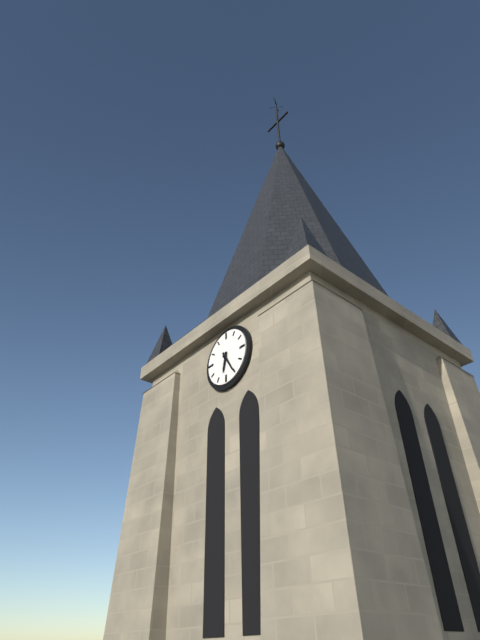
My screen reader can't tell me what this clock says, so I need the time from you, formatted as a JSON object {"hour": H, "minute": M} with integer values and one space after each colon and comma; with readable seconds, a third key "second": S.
{"hour": 6, "minute": 25}
